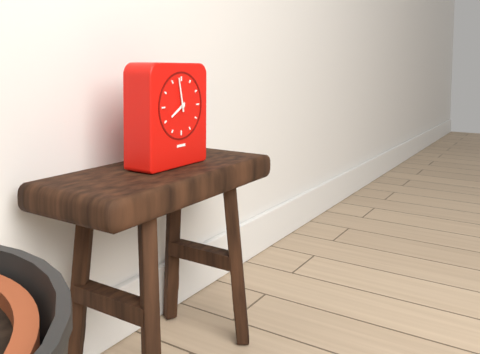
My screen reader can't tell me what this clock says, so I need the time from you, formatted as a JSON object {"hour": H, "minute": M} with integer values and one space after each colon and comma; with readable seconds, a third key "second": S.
{"hour": 7, "minute": 58}
